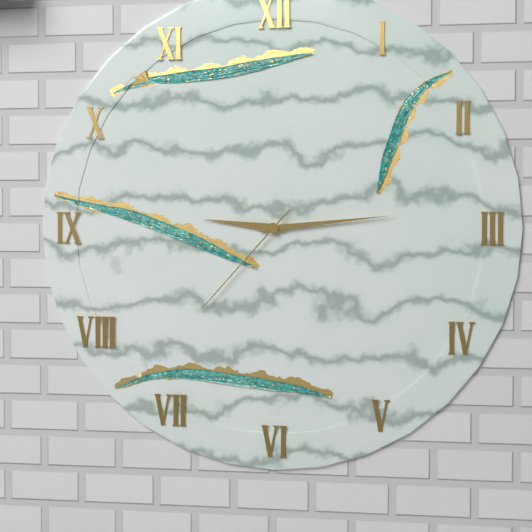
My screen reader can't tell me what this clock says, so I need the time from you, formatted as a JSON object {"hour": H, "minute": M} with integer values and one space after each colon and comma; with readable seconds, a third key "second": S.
{"hour": 9, "minute": 14, "second": 37}
